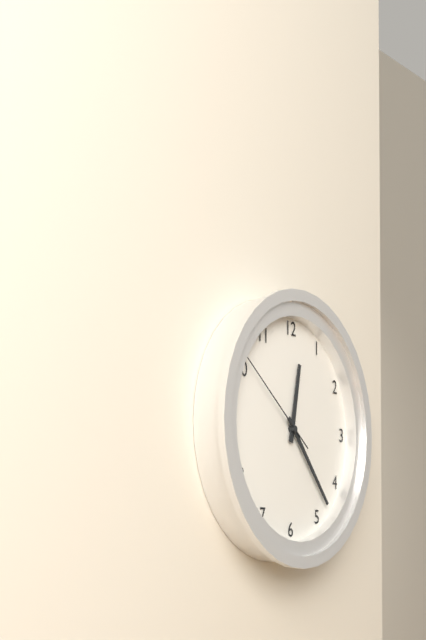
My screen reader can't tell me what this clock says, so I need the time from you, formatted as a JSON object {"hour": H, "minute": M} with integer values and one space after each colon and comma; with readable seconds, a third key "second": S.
{"hour": 12, "minute": 23, "second": 51}
